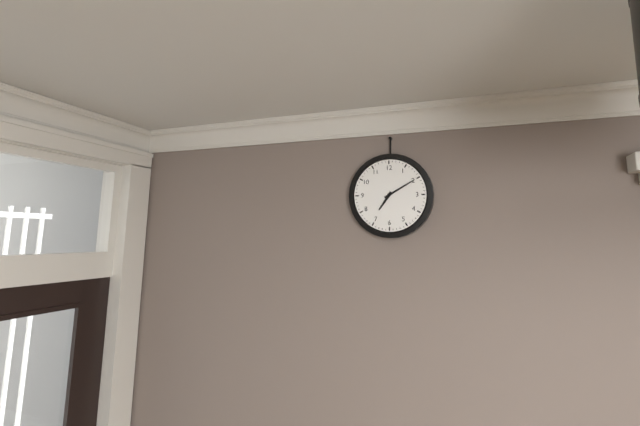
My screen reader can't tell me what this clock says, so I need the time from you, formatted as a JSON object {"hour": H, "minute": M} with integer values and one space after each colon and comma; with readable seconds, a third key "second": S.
{"hour": 7, "minute": 10}
